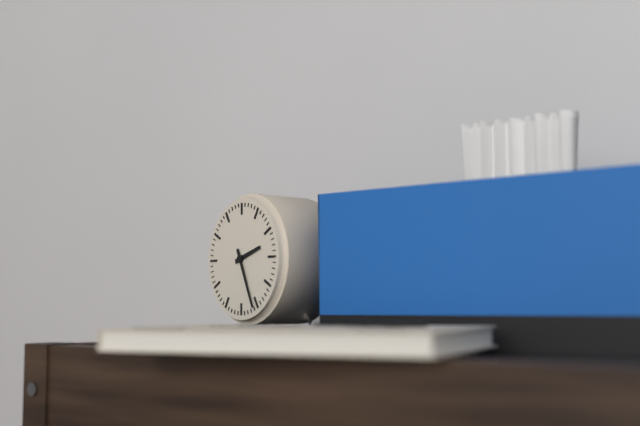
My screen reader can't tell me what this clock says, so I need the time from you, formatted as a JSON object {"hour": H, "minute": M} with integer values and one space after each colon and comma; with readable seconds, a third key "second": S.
{"hour": 2, "minute": 26}
